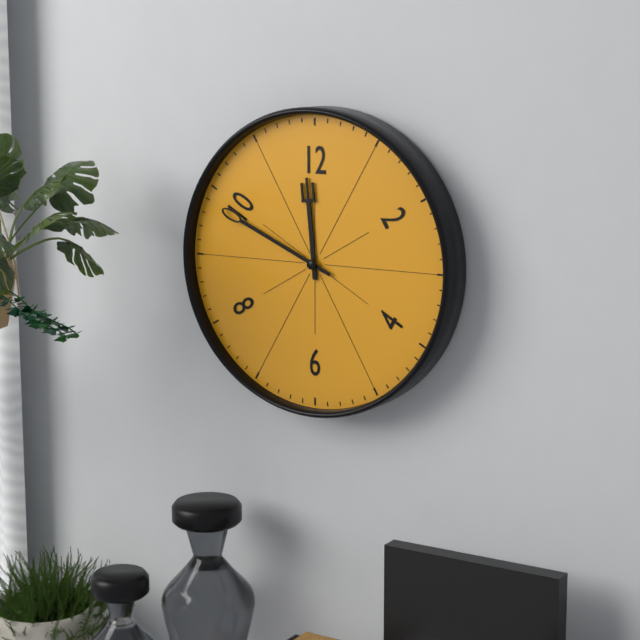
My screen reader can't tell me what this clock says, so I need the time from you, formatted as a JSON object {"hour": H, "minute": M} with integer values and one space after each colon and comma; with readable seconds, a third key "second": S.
{"hour": 11, "minute": 49}
